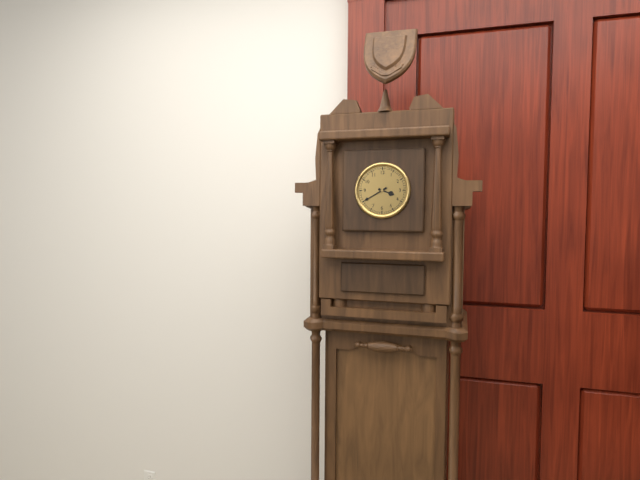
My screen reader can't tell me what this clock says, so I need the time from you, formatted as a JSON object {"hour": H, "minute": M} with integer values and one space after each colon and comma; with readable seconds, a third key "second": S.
{"hour": 3, "minute": 40}
